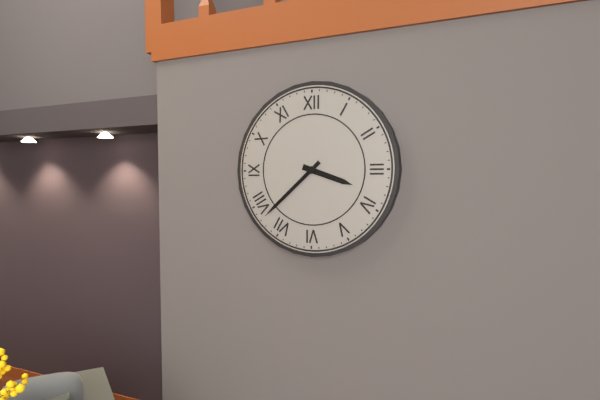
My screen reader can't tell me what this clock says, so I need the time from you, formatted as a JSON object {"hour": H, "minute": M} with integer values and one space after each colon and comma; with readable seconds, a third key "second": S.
{"hour": 3, "minute": 38}
